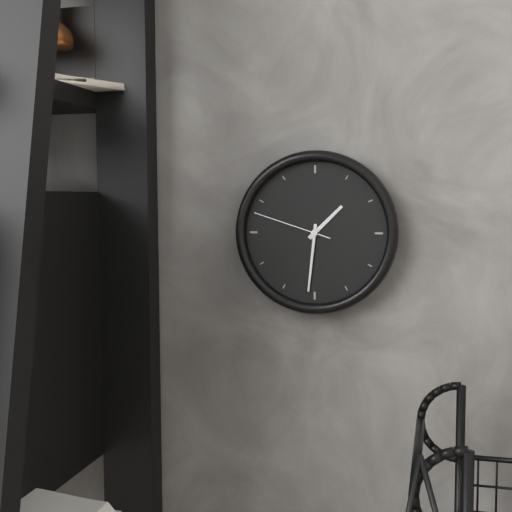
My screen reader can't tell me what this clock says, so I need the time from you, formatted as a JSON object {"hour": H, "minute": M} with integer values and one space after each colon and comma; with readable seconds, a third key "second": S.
{"hour": 1, "minute": 31, "second": 48}
